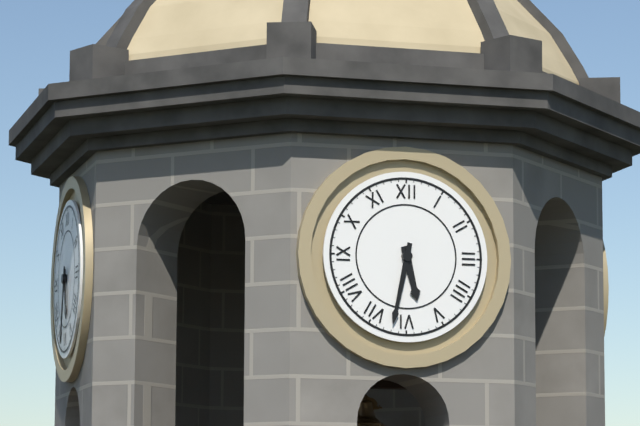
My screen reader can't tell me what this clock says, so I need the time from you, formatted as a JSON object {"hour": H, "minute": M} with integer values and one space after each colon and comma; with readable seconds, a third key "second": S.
{"hour": 5, "minute": 32}
